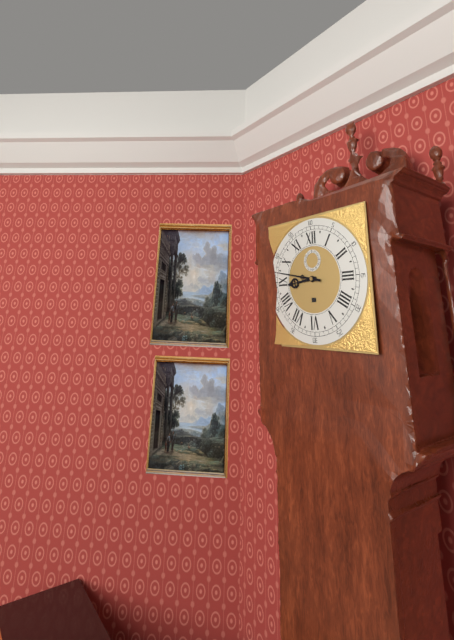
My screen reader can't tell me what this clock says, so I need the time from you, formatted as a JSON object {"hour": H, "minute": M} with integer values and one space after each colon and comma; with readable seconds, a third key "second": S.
{"hour": 8, "minute": 47}
